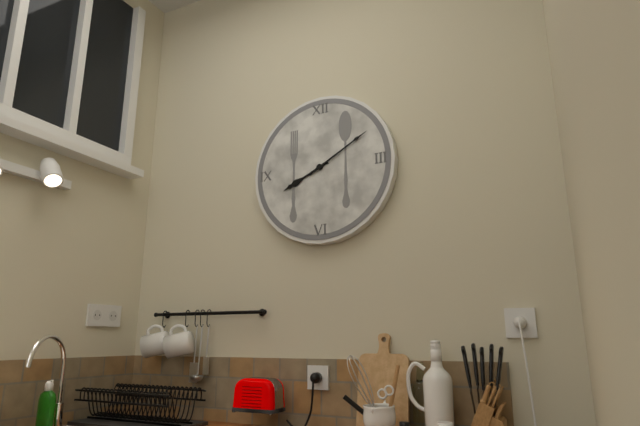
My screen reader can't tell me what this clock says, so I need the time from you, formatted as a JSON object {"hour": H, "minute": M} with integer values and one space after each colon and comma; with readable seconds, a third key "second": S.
{"hour": 8, "minute": 10}
